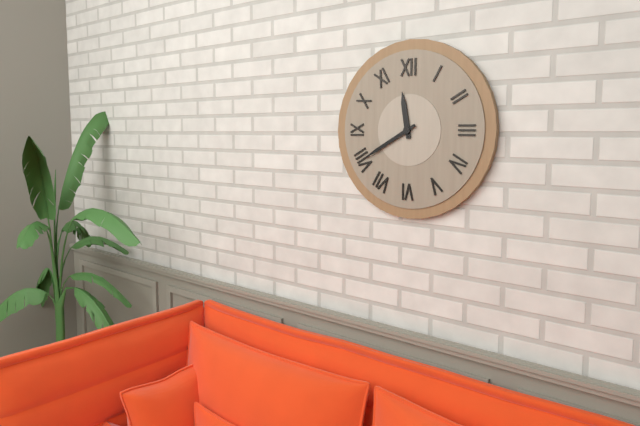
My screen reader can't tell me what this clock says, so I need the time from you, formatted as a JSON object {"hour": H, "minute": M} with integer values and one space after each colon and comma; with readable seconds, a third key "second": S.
{"hour": 11, "minute": 40}
